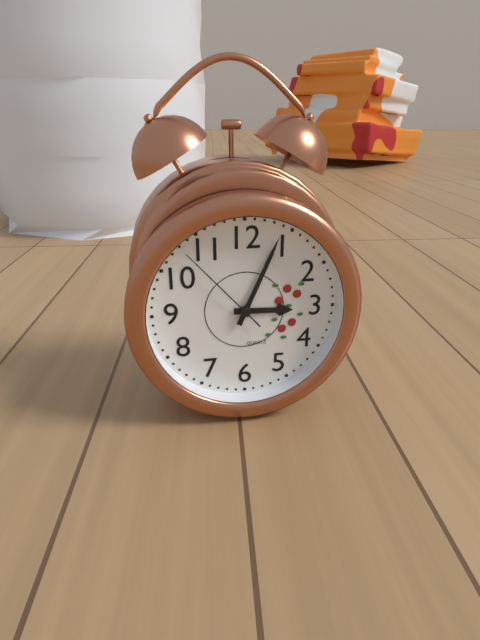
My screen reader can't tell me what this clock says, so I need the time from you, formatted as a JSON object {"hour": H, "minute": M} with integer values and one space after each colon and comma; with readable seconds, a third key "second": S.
{"hour": 3, "minute": 4, "second": 53}
